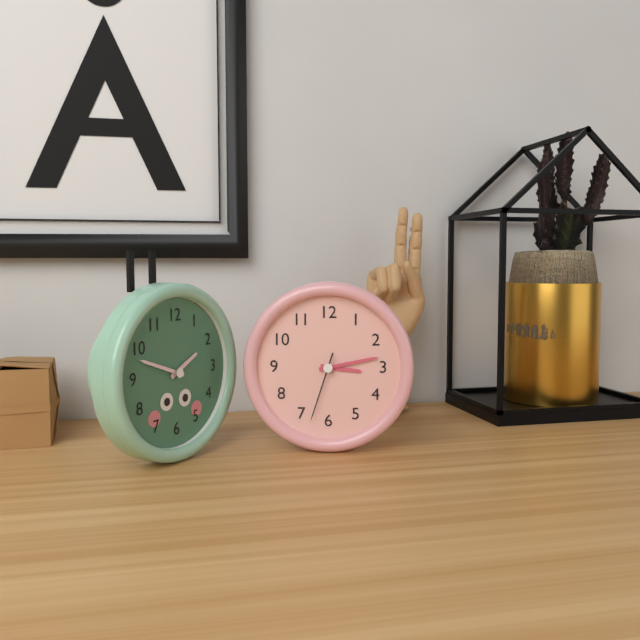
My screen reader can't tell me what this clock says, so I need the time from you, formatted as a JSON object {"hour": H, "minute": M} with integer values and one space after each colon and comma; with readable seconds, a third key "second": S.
{"hour": 3, "minute": 13, "second": 33}
